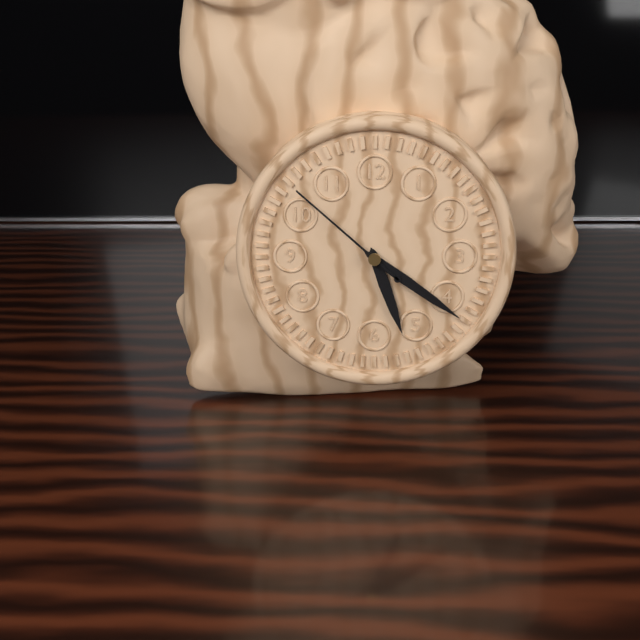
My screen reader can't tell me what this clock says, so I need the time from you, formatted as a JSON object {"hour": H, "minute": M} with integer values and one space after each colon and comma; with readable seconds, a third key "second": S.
{"hour": 5, "minute": 21, "second": 52}
